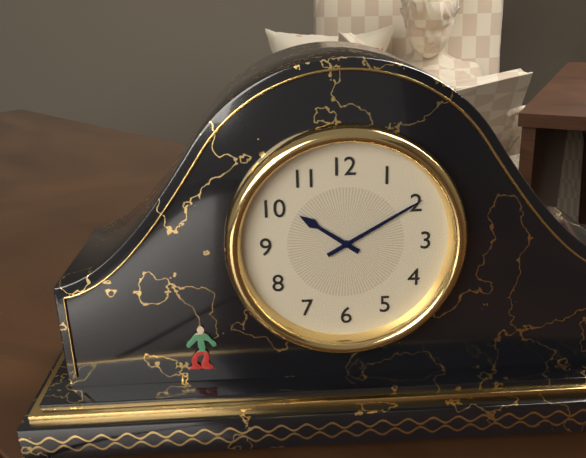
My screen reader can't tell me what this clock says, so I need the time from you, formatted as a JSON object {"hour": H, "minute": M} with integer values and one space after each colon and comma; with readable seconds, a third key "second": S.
{"hour": 10, "minute": 10}
